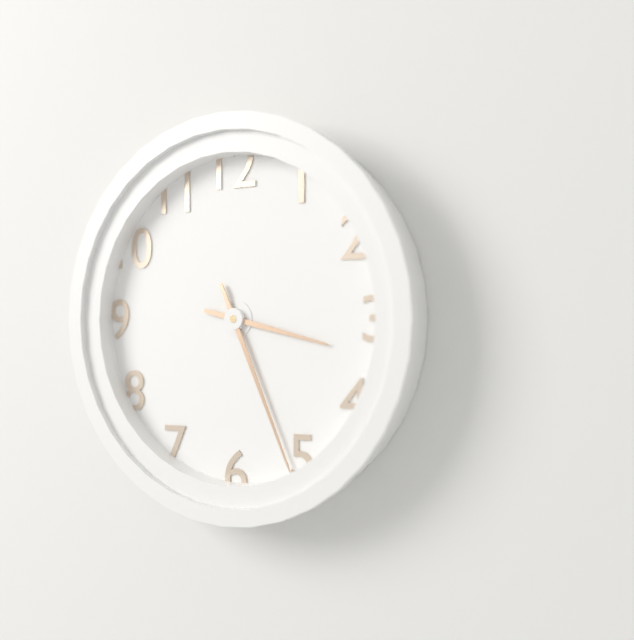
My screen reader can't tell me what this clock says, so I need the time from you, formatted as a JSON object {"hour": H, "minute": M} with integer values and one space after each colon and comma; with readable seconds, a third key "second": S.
{"hour": 3, "minute": 26}
